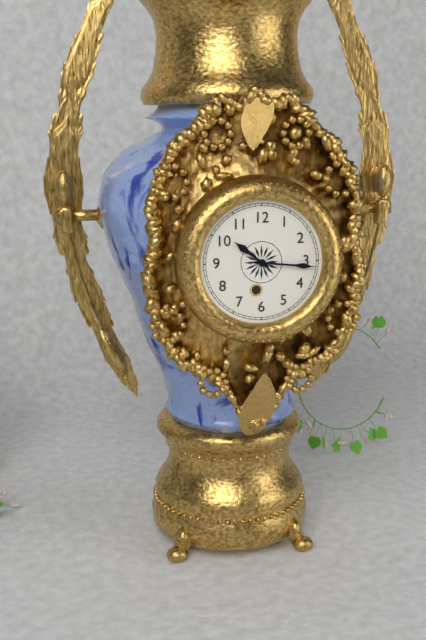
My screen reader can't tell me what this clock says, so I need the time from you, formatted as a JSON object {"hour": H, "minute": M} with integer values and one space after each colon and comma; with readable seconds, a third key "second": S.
{"hour": 10, "minute": 16}
